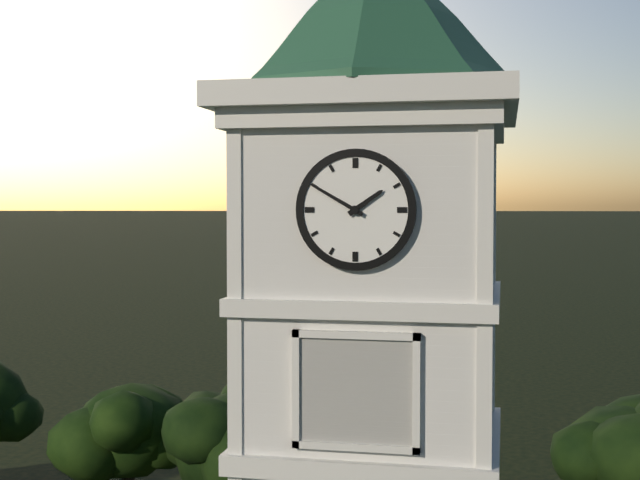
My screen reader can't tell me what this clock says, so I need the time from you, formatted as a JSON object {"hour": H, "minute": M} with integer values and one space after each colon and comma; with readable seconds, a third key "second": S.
{"hour": 1, "minute": 50}
